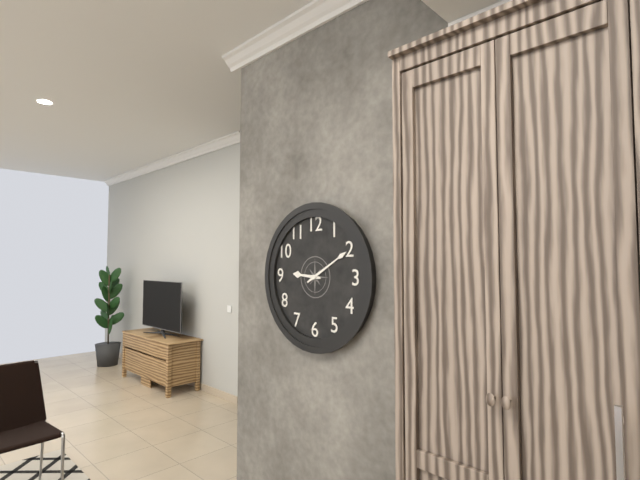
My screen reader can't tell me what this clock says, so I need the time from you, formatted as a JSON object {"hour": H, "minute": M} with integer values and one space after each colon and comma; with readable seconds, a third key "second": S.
{"hour": 9, "minute": 10}
